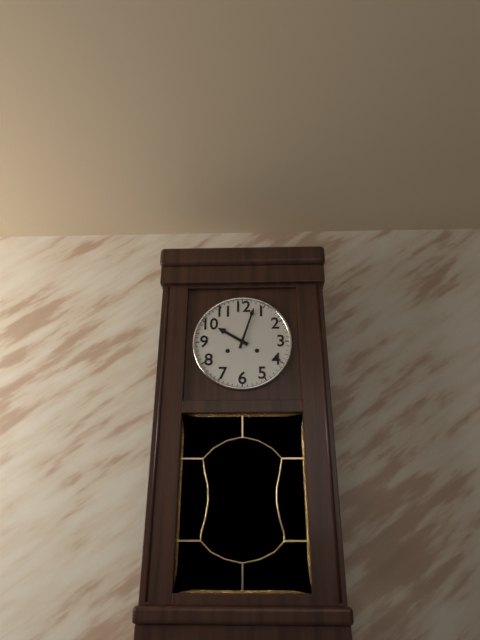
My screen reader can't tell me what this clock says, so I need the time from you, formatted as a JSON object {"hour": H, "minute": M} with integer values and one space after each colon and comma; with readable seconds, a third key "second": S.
{"hour": 10, "minute": 3}
